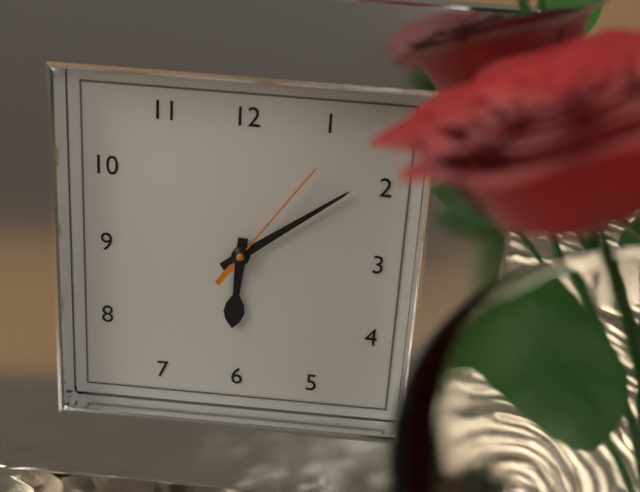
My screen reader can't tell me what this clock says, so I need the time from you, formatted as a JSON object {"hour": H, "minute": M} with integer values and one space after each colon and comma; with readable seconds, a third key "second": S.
{"hour": 6, "minute": 9, "second": 6}
